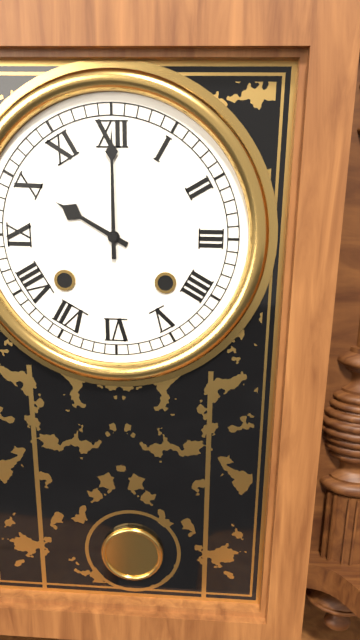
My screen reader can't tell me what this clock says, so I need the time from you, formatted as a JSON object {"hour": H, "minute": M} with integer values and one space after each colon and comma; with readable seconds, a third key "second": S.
{"hour": 10, "minute": 0}
